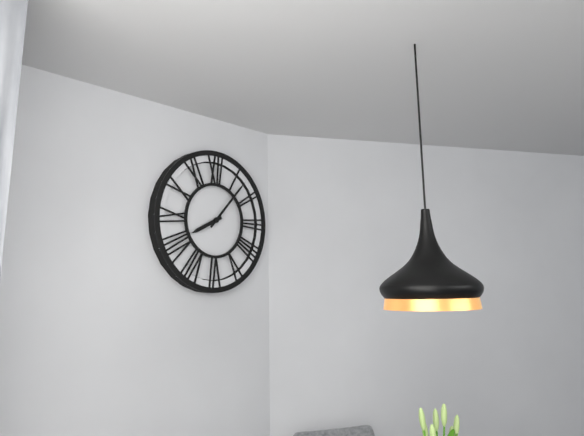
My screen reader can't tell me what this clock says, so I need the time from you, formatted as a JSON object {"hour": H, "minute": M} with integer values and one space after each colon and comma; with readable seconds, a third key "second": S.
{"hour": 8, "minute": 7}
